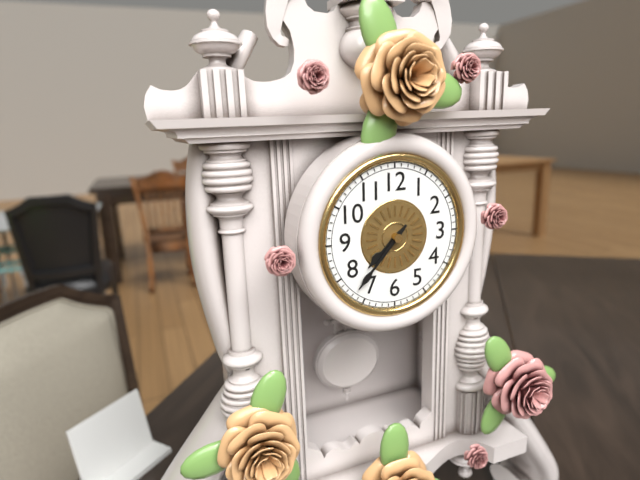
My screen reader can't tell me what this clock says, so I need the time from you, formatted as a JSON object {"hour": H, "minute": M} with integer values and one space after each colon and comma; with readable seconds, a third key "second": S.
{"hour": 7, "minute": 37}
